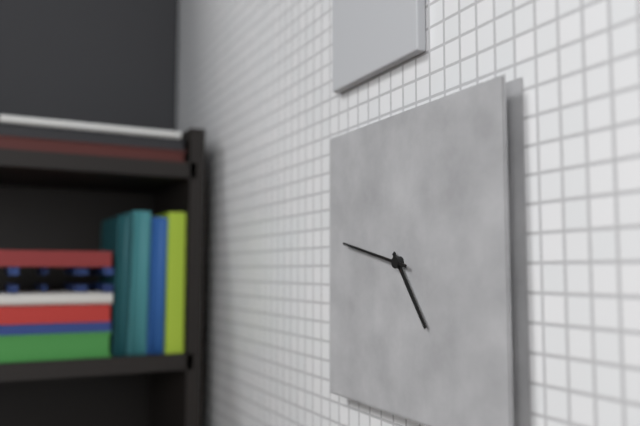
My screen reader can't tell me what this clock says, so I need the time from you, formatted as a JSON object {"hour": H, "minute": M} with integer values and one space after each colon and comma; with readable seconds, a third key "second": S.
{"hour": 4, "minute": 47}
